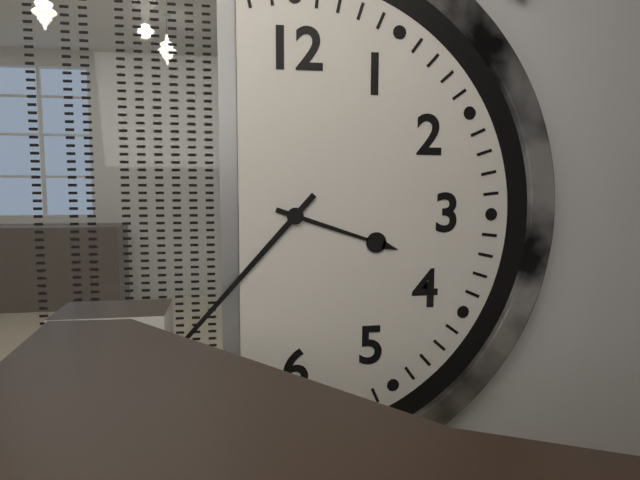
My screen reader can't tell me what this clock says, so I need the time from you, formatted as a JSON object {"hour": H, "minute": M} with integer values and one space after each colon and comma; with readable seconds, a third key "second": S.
{"hour": 3, "minute": 37}
